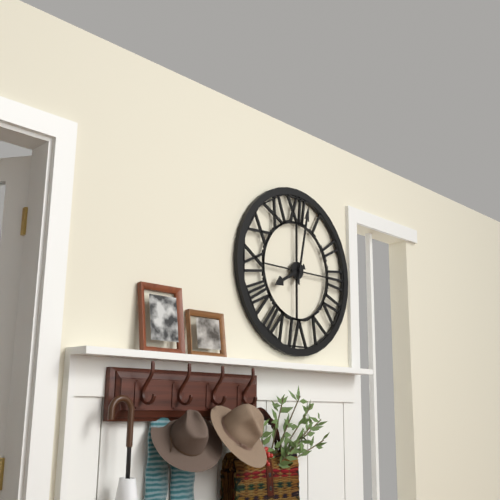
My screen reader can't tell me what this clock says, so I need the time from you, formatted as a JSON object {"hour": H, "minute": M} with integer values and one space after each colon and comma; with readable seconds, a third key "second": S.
{"hour": 8, "minute": 2}
